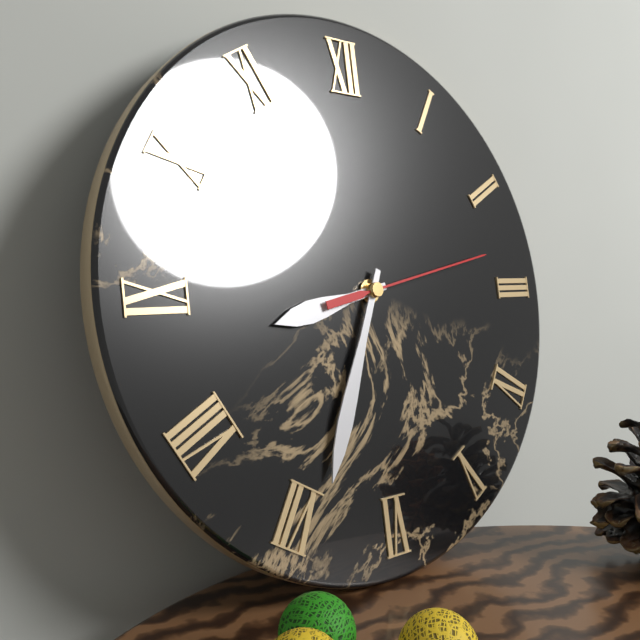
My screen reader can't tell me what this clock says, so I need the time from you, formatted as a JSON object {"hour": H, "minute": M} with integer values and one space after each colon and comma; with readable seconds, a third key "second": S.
{"hour": 8, "minute": 34, "second": 13}
